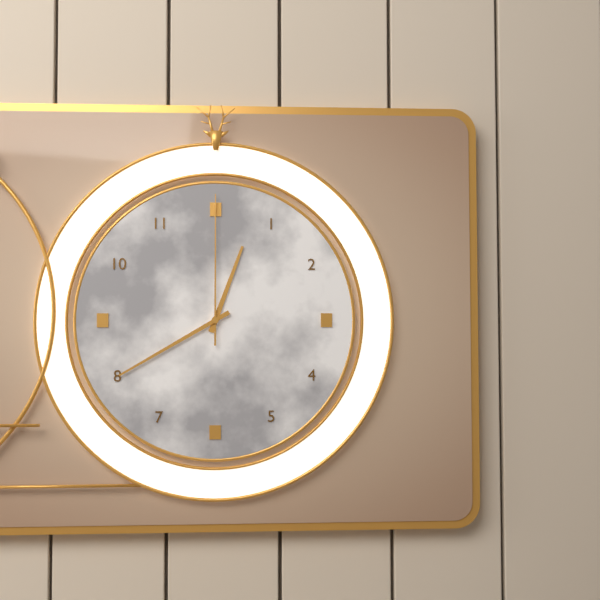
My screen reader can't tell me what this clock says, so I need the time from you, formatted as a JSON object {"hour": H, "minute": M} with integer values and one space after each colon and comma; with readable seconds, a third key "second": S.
{"hour": 12, "minute": 40, "second": 0}
